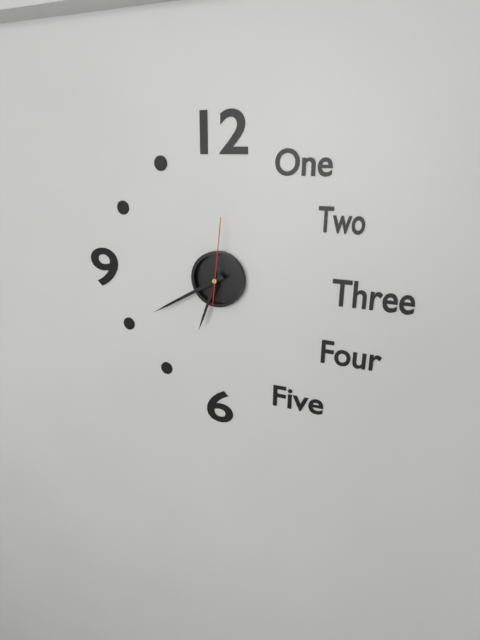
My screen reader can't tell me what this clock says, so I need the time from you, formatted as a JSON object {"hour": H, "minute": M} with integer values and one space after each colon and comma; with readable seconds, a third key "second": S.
{"hour": 6, "minute": 40, "second": 1}
